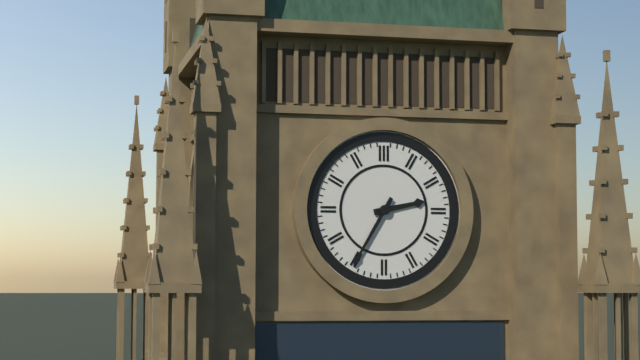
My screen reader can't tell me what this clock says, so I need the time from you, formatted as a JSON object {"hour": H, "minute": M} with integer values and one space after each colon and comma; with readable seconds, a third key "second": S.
{"hour": 2, "minute": 35}
